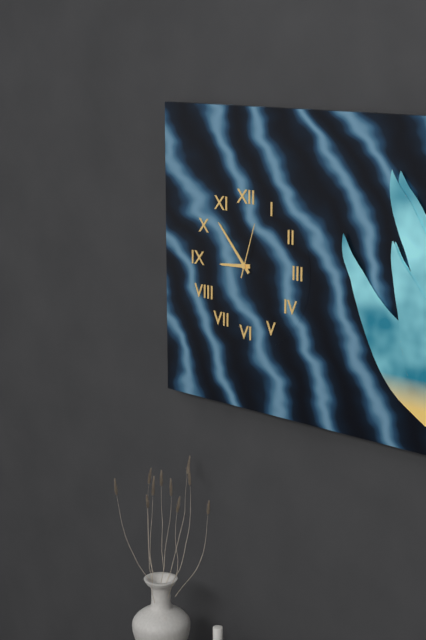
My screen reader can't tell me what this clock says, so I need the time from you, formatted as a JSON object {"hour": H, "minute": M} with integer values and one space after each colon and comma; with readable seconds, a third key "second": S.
{"hour": 8, "minute": 53, "second": 3}
